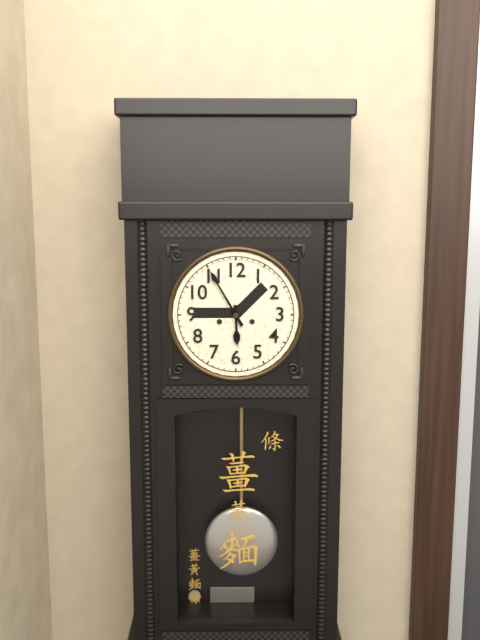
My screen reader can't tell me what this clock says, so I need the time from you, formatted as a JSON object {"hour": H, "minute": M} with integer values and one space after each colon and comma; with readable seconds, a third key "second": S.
{"hour": 5, "minute": 55}
